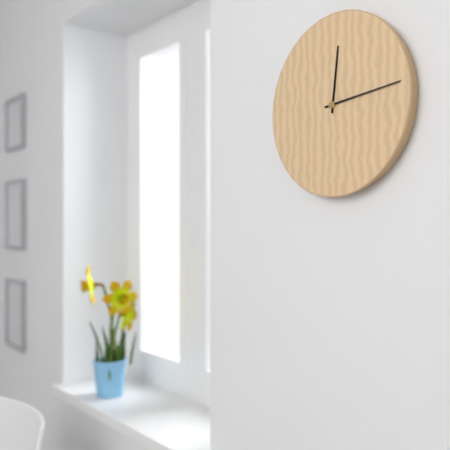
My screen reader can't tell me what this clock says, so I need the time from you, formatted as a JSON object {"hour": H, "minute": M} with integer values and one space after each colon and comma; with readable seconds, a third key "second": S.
{"hour": 12, "minute": 14}
